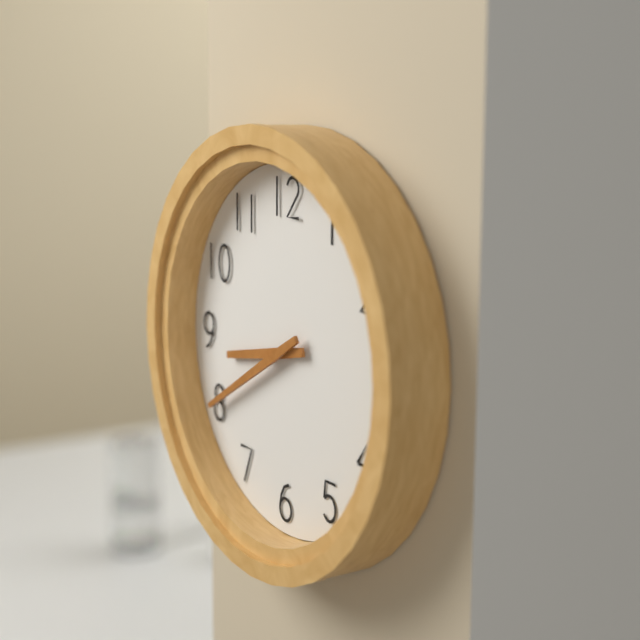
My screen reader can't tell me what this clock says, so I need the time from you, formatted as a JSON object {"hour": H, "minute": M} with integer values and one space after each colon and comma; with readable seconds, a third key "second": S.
{"hour": 8, "minute": 40}
